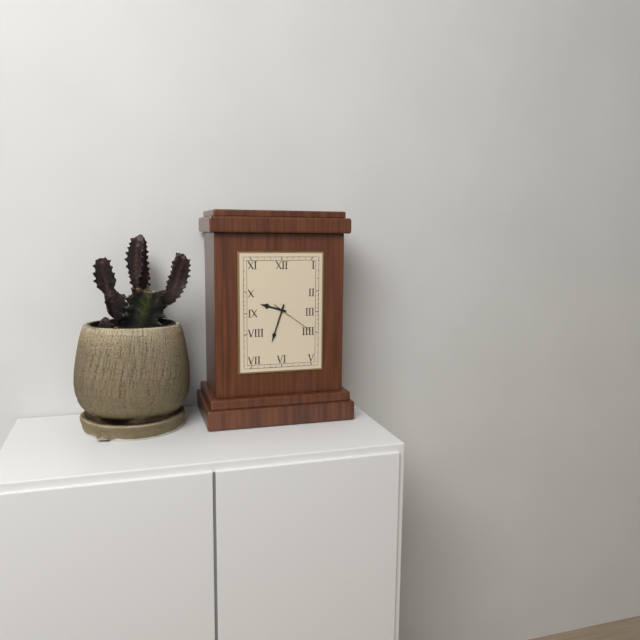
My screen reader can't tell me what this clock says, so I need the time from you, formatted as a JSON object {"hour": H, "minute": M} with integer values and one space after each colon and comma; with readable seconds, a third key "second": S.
{"hour": 9, "minute": 33, "second": 21}
